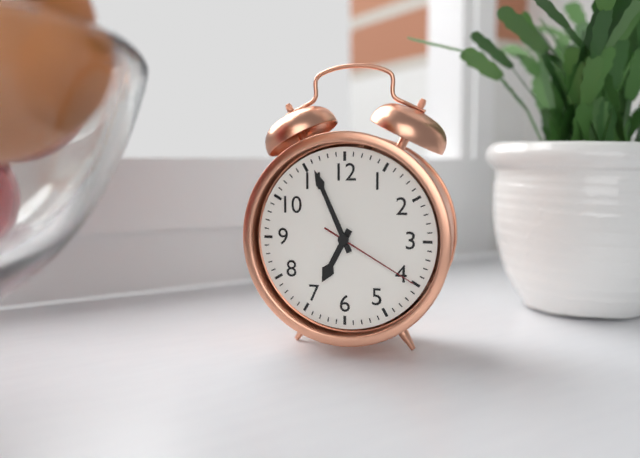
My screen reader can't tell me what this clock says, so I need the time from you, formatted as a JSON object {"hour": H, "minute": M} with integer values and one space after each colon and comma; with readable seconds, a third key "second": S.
{"hour": 6, "minute": 56, "second": 20}
